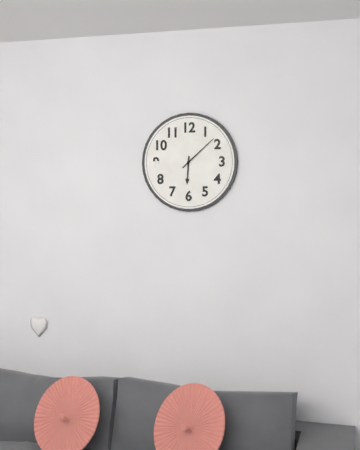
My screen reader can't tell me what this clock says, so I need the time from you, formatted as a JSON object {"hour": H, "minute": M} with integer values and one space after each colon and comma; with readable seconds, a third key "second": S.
{"hour": 6, "minute": 8}
